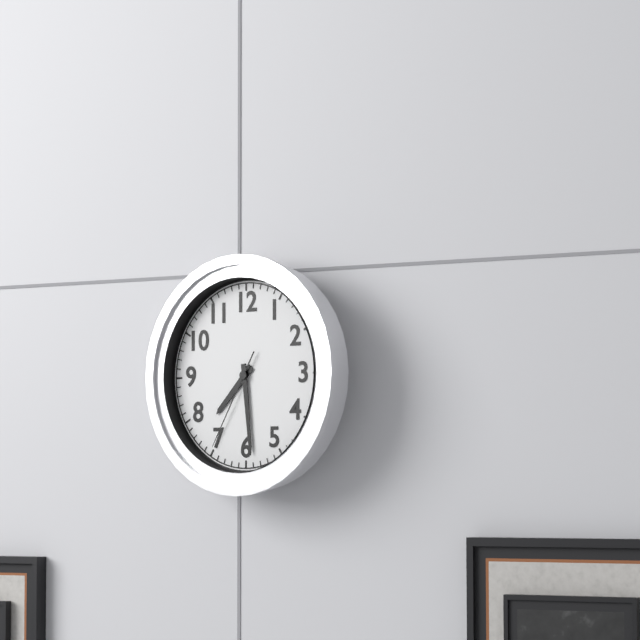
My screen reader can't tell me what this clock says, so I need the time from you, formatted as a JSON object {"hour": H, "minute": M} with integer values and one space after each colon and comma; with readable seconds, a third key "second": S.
{"hour": 7, "minute": 29, "second": 35}
